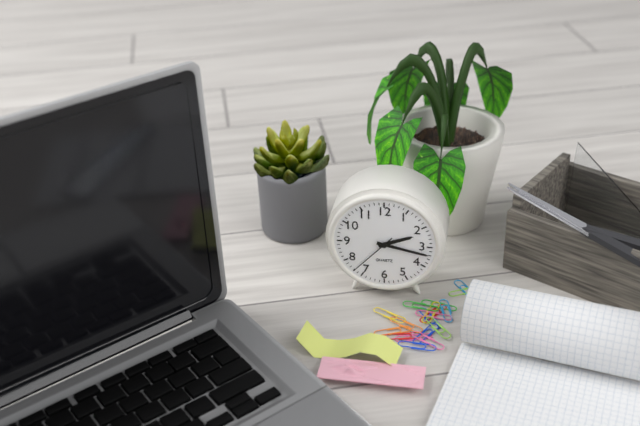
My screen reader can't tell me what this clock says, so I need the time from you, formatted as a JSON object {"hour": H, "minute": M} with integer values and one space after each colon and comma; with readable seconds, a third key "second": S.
{"hour": 2, "minute": 17, "second": 37}
